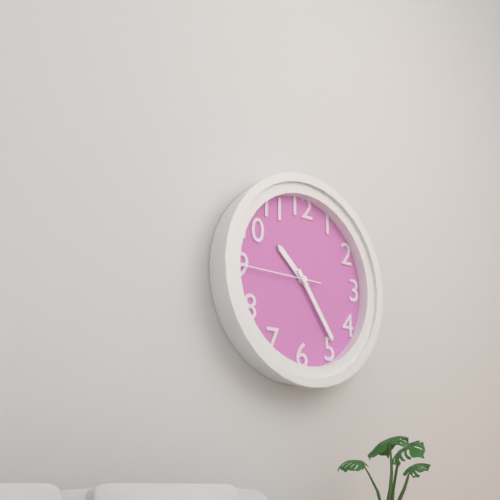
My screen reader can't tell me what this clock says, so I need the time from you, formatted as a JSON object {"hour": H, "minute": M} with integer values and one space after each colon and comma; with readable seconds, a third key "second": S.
{"hour": 10, "minute": 24, "second": 45}
